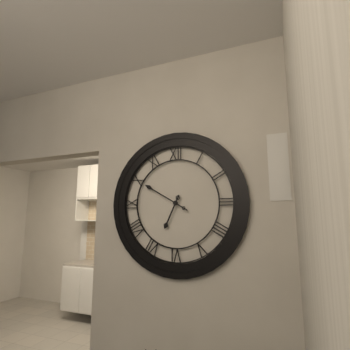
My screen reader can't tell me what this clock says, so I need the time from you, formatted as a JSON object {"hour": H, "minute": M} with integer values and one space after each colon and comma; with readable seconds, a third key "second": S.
{"hour": 6, "minute": 50}
